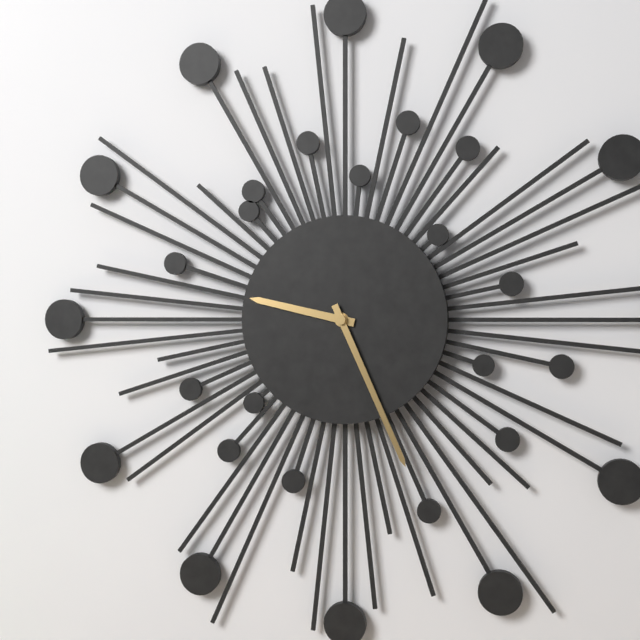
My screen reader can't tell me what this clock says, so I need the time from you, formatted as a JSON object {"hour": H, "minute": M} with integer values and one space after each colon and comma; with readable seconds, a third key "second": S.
{"hour": 9, "minute": 26}
